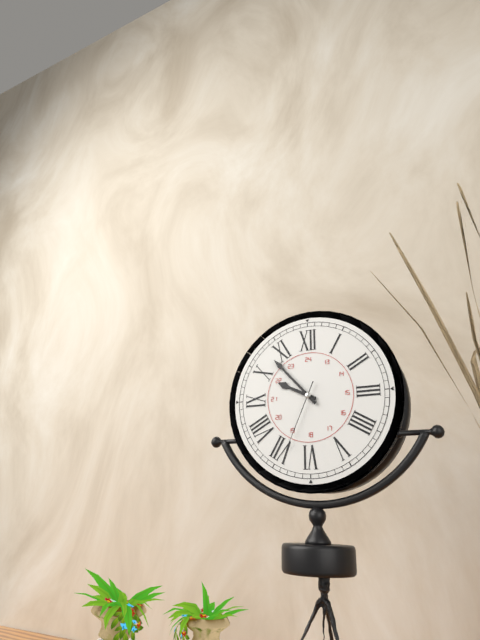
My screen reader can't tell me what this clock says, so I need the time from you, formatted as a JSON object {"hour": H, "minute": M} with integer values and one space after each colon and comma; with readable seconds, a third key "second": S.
{"hour": 9, "minute": 53, "second": 34}
